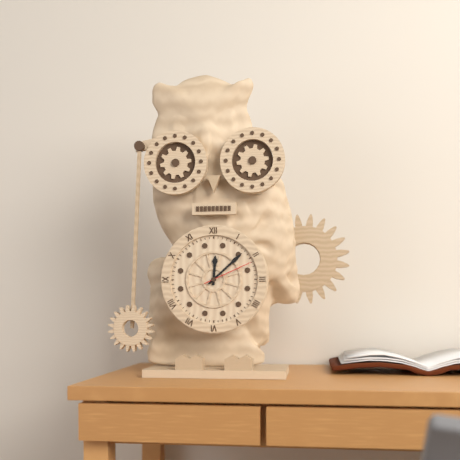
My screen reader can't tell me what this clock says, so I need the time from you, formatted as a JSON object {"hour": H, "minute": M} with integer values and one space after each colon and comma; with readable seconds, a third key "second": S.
{"hour": 12, "minute": 8, "second": 11}
